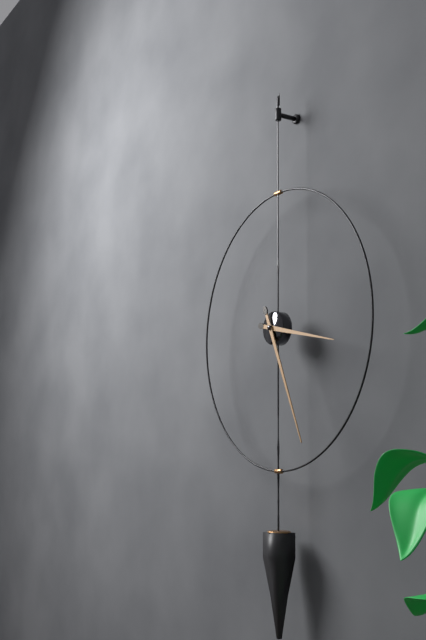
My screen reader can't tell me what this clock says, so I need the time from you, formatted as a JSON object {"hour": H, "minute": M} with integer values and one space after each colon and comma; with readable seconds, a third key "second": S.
{"hour": 3, "minute": 26}
